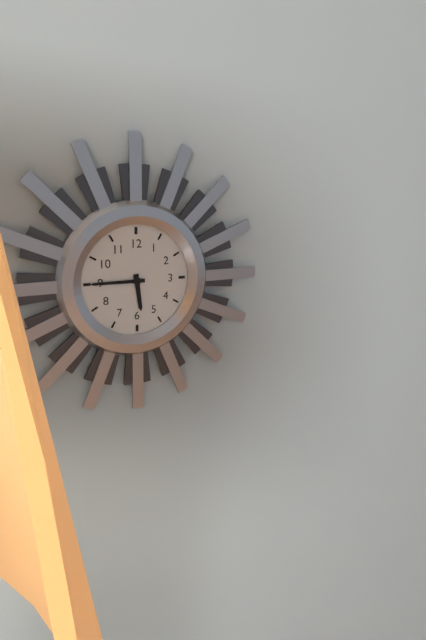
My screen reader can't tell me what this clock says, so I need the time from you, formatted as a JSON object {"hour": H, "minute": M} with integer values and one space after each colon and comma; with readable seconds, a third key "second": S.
{"hour": 5, "minute": 45}
